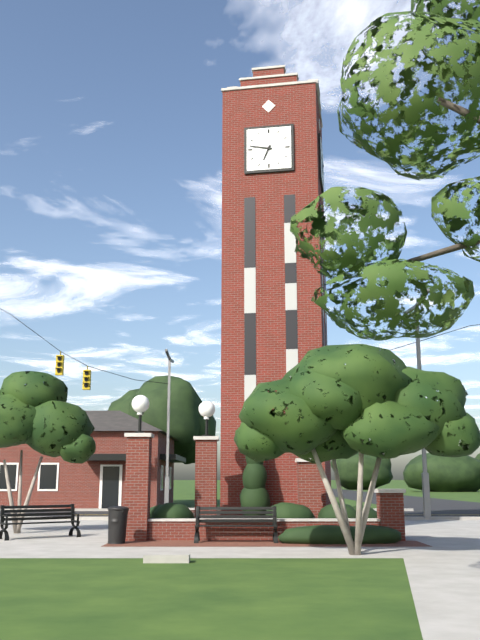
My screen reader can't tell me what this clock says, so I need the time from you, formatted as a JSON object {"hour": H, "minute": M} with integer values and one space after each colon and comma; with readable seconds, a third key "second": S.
{"hour": 6, "minute": 47}
